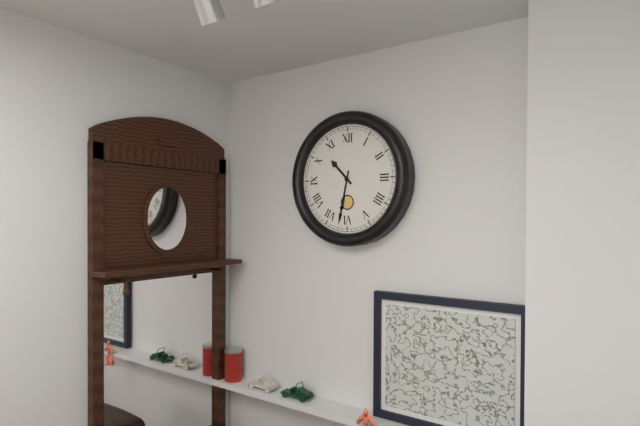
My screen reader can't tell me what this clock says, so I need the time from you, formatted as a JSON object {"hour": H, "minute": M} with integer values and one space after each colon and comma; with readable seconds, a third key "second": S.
{"hour": 10, "minute": 32}
